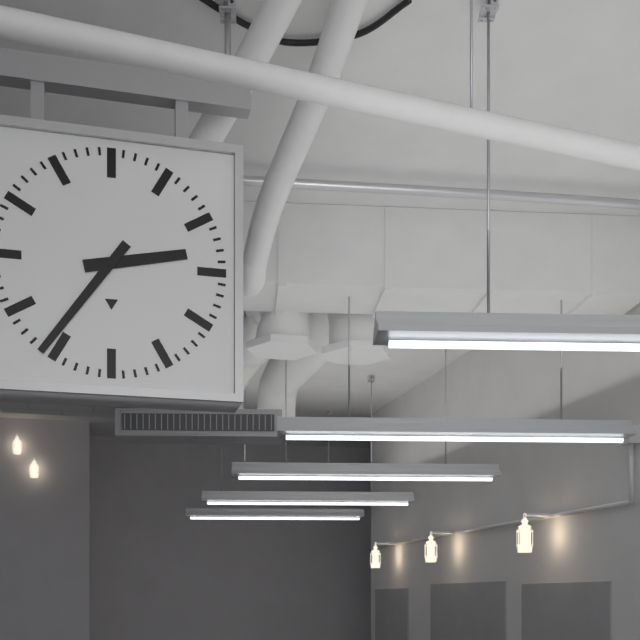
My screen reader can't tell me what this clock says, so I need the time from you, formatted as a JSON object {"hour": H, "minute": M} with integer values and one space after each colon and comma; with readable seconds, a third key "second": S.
{"hour": 2, "minute": 36}
